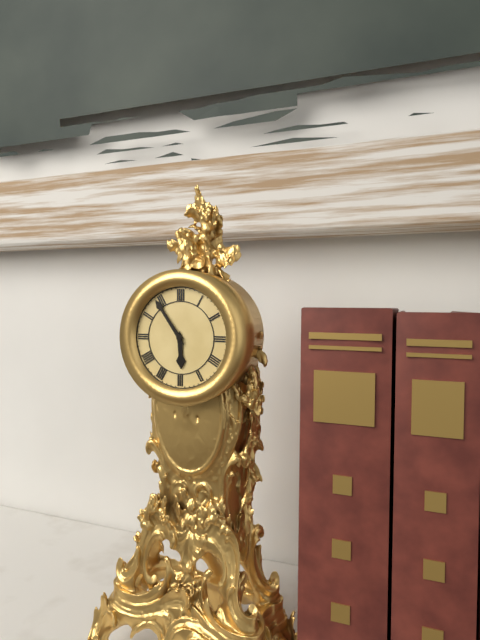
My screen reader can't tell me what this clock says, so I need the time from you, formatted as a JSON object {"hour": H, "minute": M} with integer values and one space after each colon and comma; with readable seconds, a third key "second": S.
{"hour": 5, "minute": 54}
